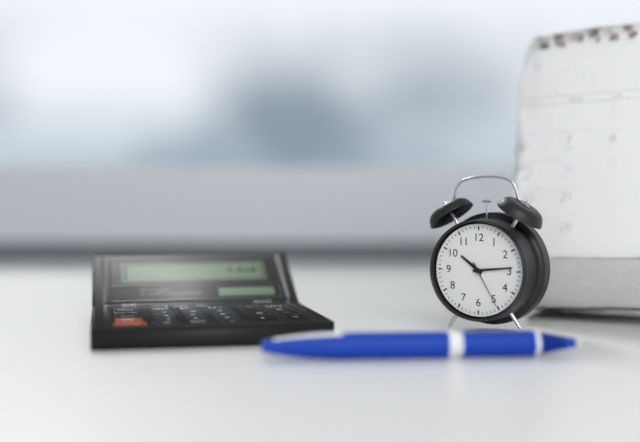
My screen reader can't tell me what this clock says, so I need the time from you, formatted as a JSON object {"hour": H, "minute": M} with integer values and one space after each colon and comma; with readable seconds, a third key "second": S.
{"hour": 10, "minute": 14}
